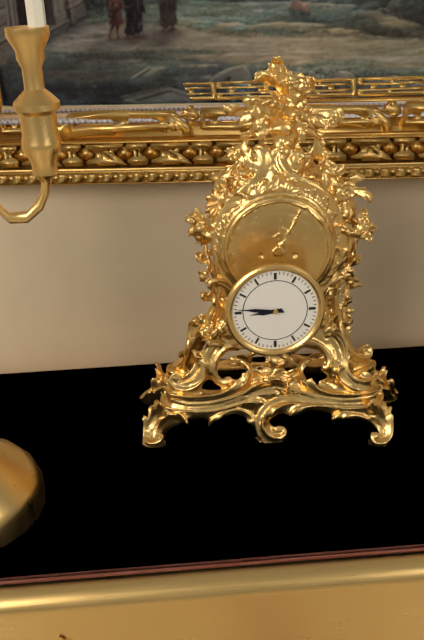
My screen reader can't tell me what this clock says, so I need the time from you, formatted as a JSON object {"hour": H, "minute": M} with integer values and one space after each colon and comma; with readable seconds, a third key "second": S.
{"hour": 8, "minute": 46}
